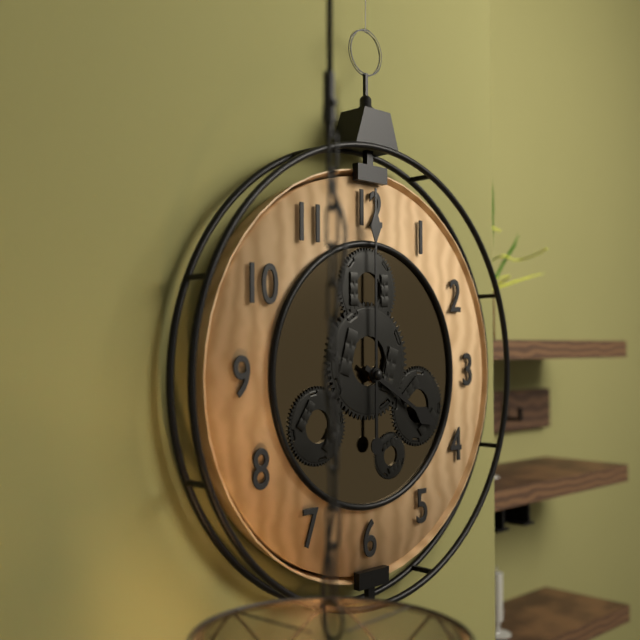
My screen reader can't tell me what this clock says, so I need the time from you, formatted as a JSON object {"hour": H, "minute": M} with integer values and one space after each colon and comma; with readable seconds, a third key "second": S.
{"hour": 4, "minute": 0}
